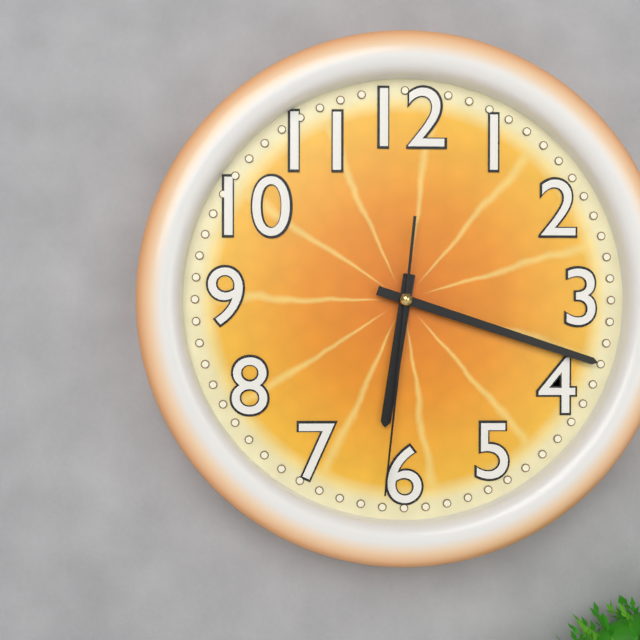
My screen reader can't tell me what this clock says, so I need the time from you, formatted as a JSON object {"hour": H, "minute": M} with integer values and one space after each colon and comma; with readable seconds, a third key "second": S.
{"hour": 6, "minute": 18, "second": 31}
